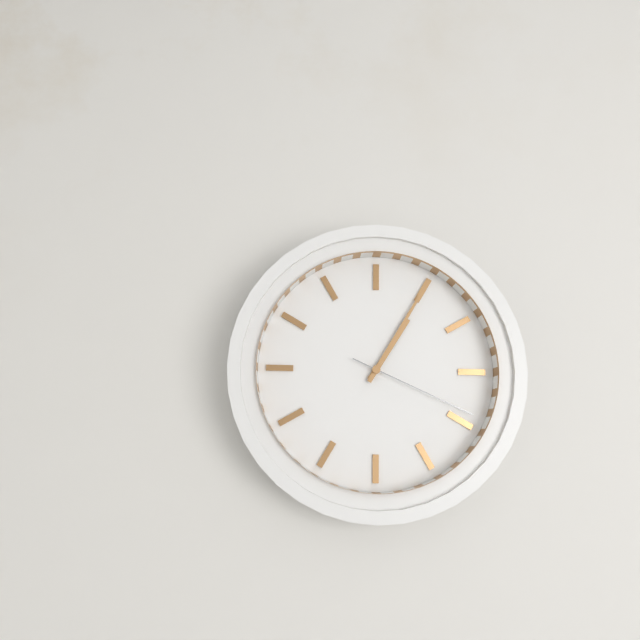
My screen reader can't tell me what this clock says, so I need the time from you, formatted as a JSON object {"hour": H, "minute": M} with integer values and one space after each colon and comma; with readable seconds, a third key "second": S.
{"hour": 1, "minute": 5, "second": 19}
